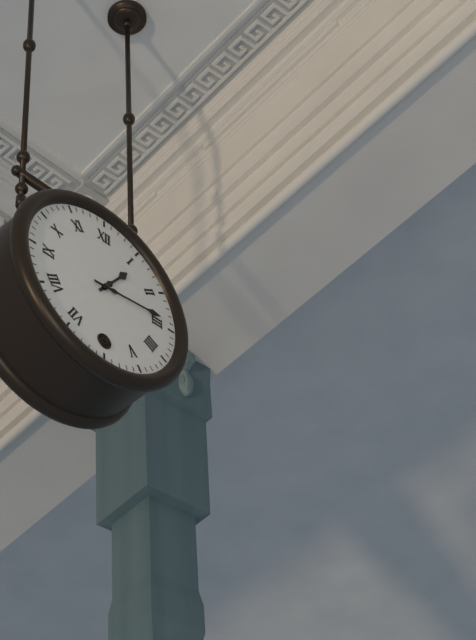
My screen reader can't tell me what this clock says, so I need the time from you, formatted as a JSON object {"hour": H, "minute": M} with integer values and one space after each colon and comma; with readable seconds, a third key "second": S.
{"hour": 1, "minute": 14}
